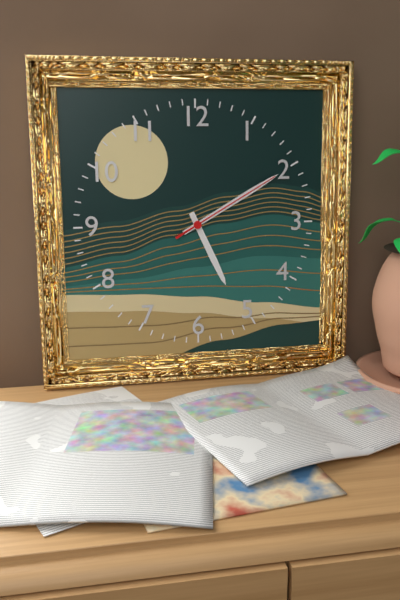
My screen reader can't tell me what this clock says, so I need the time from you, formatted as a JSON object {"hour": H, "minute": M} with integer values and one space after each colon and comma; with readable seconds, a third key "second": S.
{"hour": 5, "minute": 10, "second": 10}
